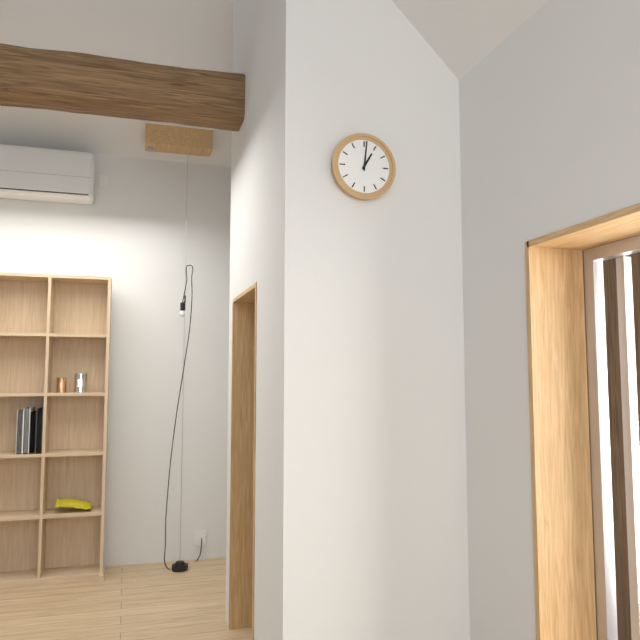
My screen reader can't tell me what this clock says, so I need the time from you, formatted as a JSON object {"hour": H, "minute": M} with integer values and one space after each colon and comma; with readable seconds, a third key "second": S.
{"hour": 1, "minute": 1}
